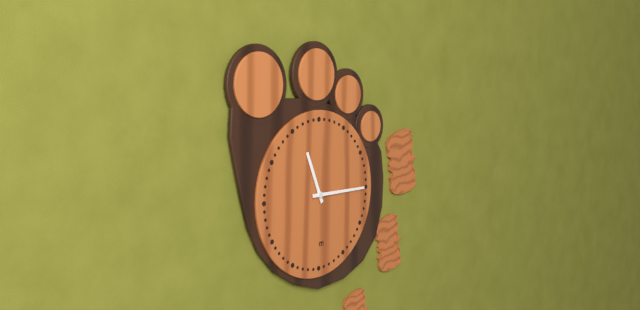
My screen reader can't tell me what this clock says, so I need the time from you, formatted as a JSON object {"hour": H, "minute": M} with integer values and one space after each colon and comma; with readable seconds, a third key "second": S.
{"hour": 11, "minute": 15}
